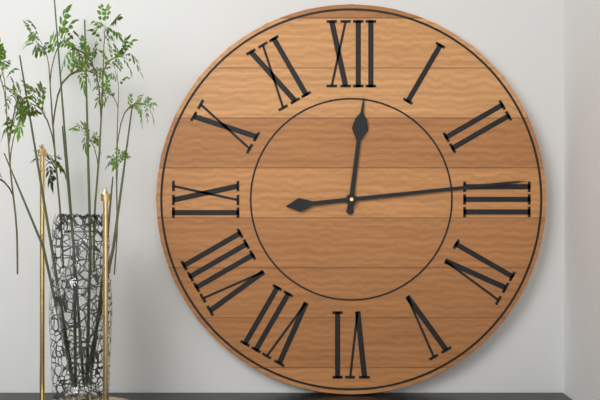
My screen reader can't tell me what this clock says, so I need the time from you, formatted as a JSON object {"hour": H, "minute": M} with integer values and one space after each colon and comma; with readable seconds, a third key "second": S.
{"hour": 12, "minute": 14}
